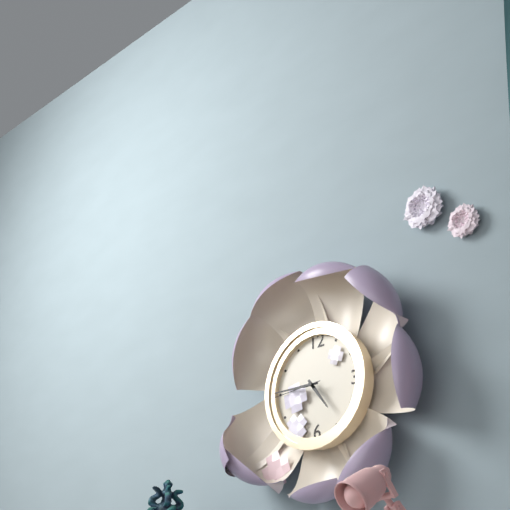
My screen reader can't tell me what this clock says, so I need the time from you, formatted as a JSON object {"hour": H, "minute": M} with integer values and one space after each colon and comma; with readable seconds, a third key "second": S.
{"hour": 4, "minute": 45, "second": 44}
